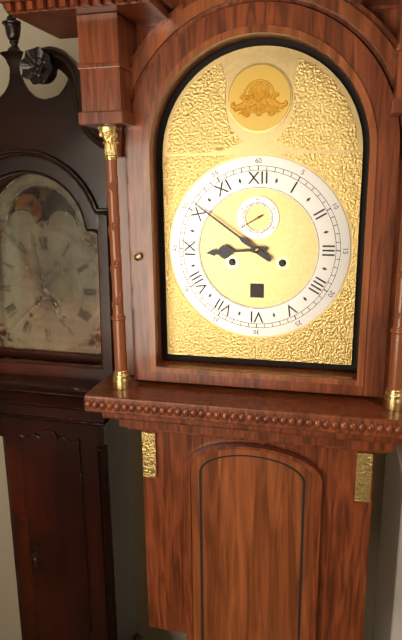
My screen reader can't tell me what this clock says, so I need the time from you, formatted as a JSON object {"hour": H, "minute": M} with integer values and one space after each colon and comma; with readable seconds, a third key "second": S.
{"hour": 8, "minute": 51}
